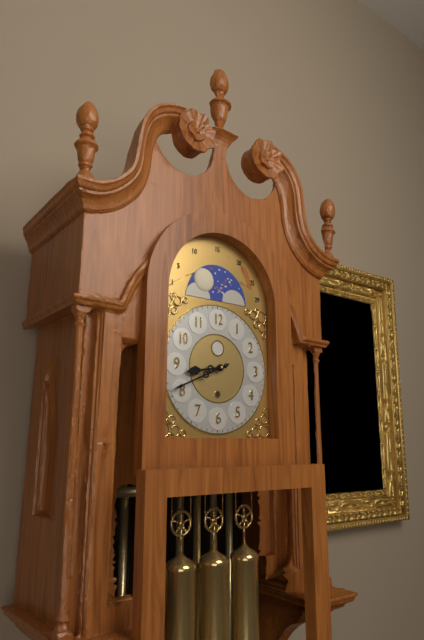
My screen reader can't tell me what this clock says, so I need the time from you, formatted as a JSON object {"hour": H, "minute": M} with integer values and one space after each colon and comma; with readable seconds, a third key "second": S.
{"hour": 8, "minute": 41}
